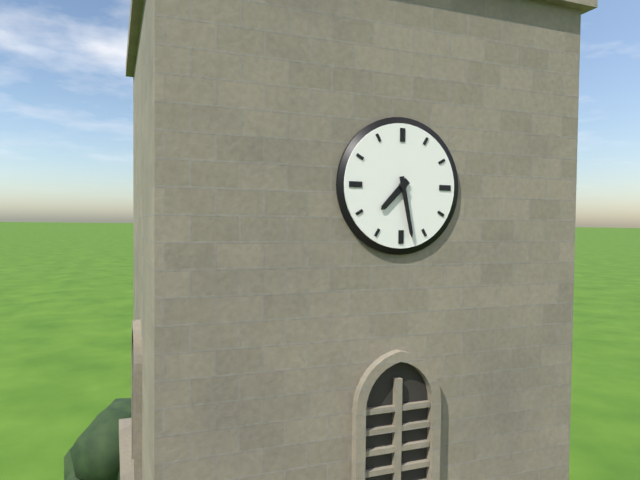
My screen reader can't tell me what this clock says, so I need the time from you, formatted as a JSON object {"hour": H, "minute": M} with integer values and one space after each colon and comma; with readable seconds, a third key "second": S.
{"hour": 7, "minute": 28}
